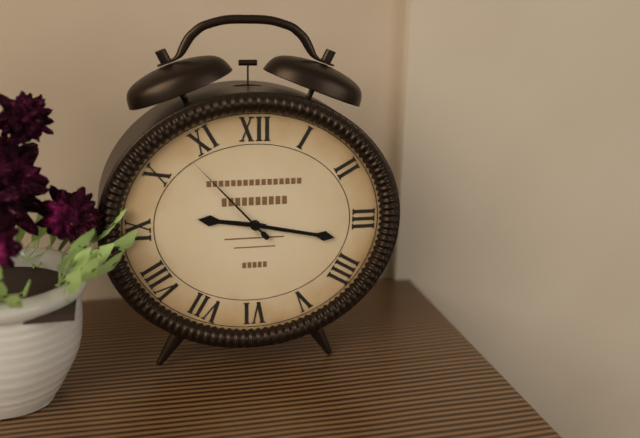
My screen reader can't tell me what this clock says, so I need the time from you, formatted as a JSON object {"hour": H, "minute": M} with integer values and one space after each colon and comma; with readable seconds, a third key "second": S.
{"hour": 9, "minute": 17, "second": 53}
